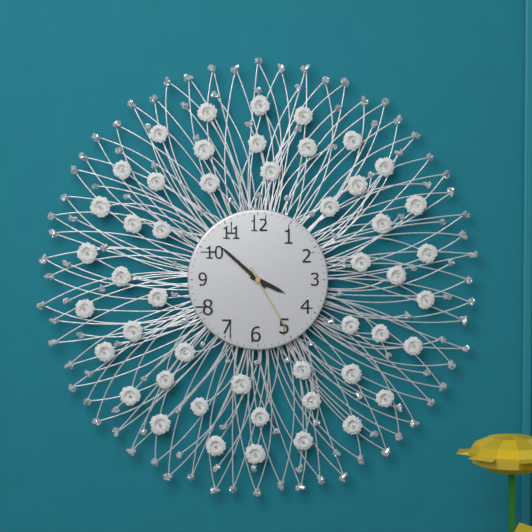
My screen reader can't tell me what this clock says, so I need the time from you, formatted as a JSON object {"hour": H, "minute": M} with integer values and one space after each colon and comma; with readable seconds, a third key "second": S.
{"hour": 3, "minute": 52, "second": 25}
